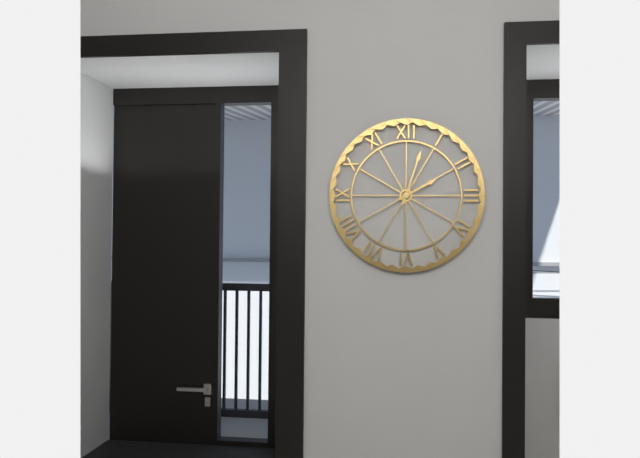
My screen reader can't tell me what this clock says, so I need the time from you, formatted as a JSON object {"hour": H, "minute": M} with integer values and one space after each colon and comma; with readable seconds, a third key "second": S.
{"hour": 2, "minute": 3}
